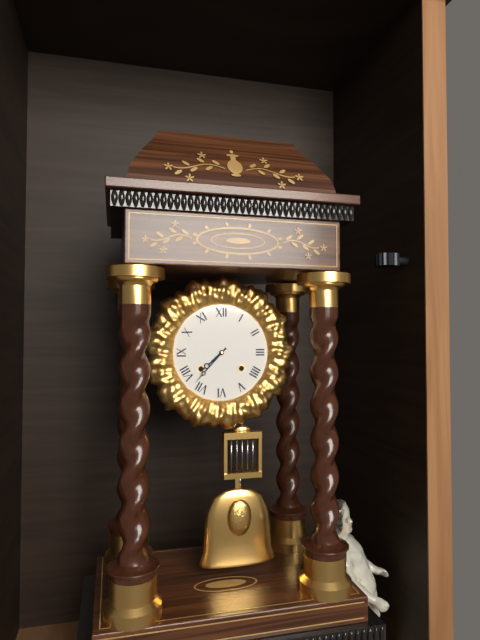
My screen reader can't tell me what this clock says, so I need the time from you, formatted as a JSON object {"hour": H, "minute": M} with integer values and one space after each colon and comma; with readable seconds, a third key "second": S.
{"hour": 7, "minute": 37}
